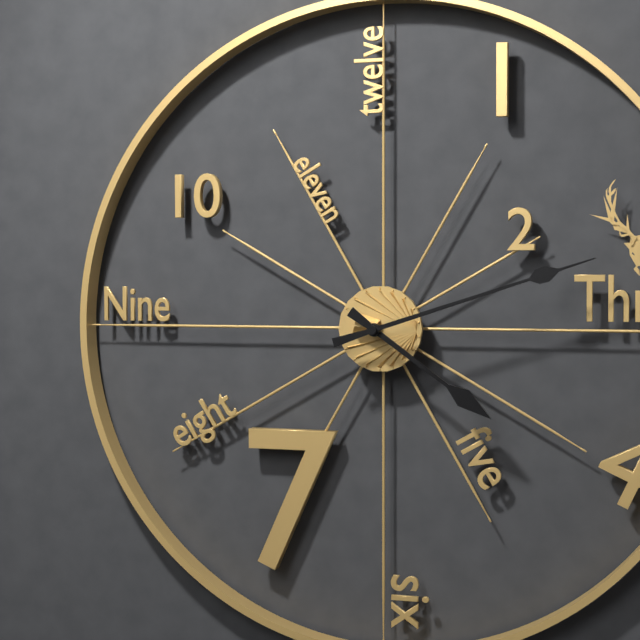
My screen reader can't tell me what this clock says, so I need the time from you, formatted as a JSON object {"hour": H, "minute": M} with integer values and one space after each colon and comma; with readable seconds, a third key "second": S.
{"hour": 4, "minute": 12}
